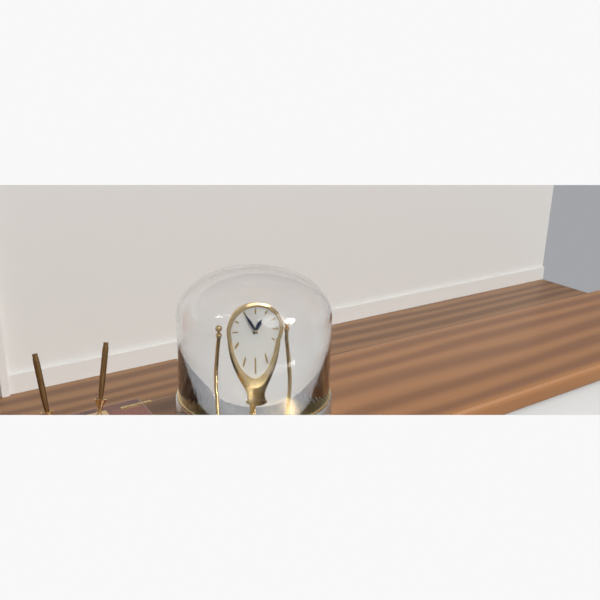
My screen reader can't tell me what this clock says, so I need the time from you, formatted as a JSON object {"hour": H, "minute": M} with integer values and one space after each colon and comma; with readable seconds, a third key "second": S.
{"hour": 12, "minute": 55}
